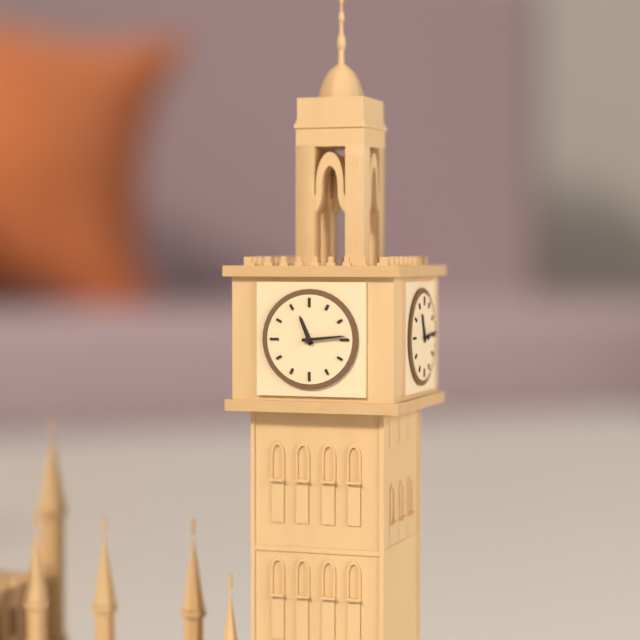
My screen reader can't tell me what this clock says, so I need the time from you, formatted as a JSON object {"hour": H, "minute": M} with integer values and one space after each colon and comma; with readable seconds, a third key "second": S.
{"hour": 11, "minute": 14}
